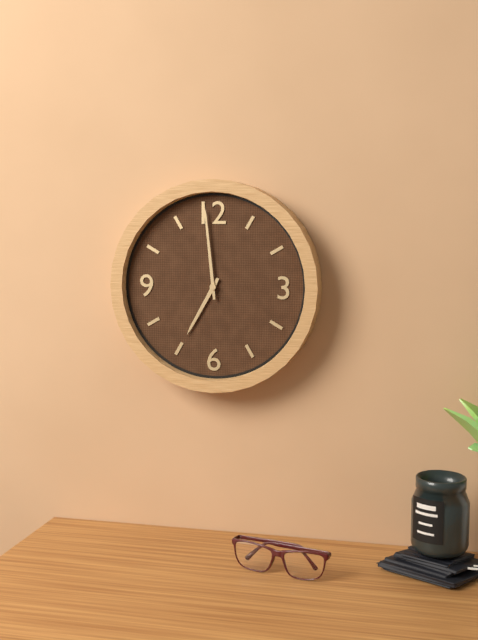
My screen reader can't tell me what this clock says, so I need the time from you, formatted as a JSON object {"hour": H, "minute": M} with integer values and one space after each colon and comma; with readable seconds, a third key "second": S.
{"hour": 6, "minute": 59}
